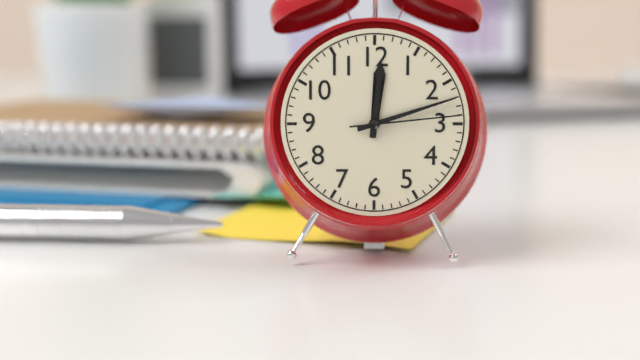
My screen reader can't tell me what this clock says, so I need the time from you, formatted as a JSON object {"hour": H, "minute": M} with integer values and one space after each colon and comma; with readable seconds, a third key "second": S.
{"hour": 12, "minute": 12, "second": 14}
